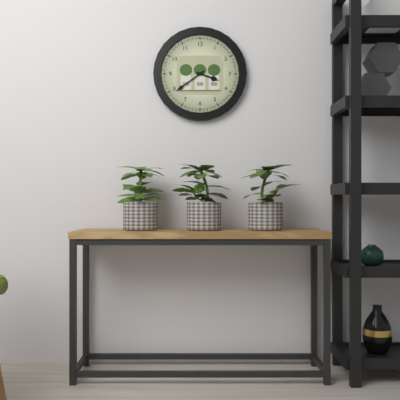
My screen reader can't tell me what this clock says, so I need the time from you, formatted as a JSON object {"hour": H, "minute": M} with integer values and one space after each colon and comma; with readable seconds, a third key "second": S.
{"hour": 3, "minute": 39}
